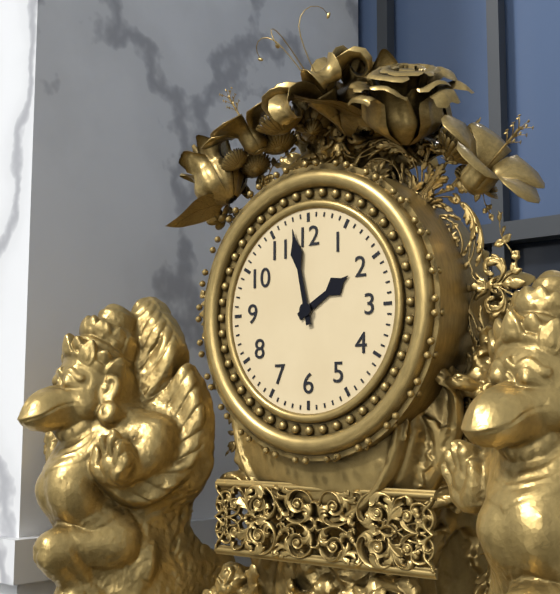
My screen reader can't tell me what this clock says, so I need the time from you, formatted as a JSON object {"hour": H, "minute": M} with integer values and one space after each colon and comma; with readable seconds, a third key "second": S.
{"hour": 1, "minute": 58}
